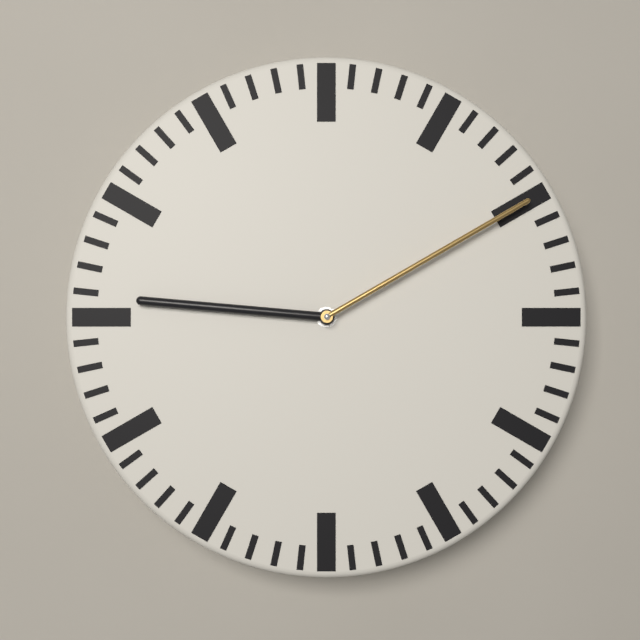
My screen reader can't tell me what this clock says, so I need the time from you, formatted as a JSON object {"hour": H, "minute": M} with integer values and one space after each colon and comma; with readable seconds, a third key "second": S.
{"hour": 9, "minute": 10}
